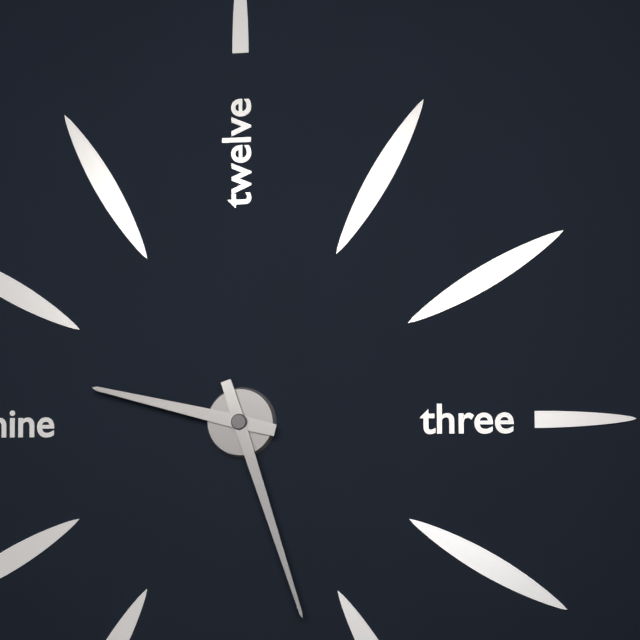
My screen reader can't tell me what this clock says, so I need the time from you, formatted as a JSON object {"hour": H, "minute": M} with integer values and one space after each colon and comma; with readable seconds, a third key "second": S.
{"hour": 9, "minute": 27}
